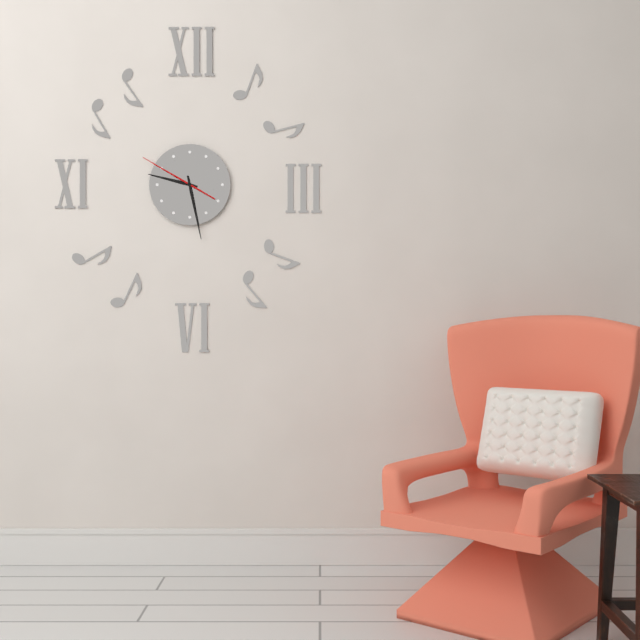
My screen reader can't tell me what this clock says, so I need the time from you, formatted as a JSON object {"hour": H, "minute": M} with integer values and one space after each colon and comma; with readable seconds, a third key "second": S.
{"hour": 9, "minute": 28, "second": 50}
